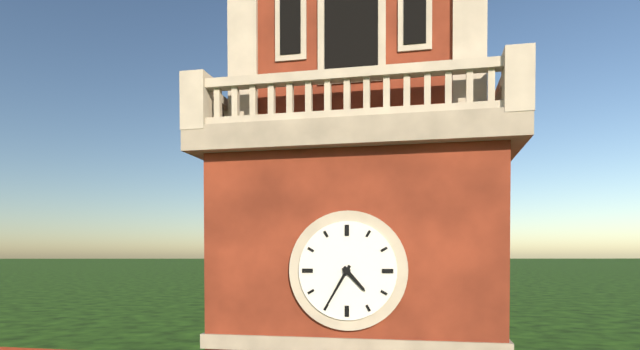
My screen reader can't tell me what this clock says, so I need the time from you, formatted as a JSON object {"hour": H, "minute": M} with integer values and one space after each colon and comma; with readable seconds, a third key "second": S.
{"hour": 4, "minute": 35}
